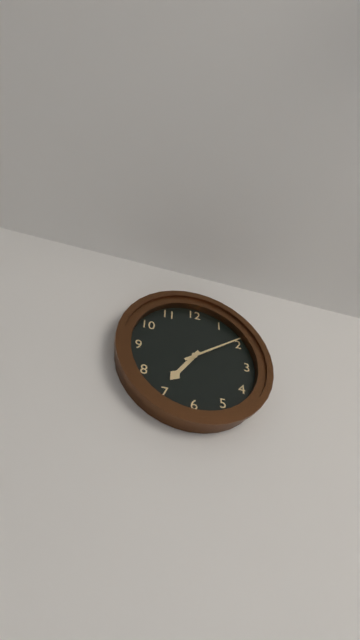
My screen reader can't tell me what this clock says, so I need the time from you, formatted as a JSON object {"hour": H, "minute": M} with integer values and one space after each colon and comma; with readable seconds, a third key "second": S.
{"hour": 7, "minute": 9}
